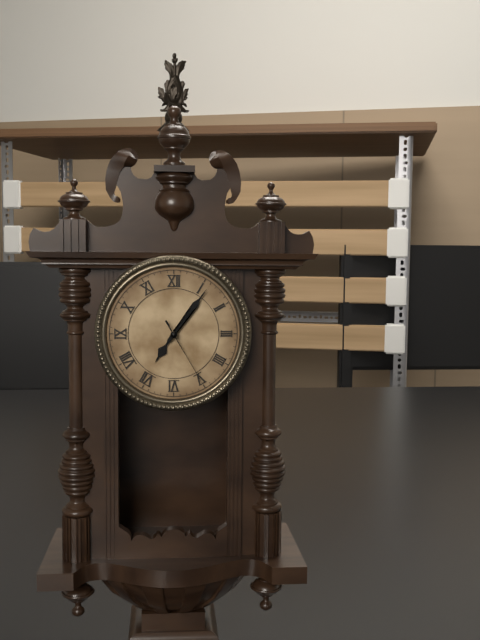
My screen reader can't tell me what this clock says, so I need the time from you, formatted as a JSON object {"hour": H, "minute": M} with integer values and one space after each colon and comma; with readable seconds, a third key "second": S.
{"hour": 7, "minute": 6, "second": 25}
